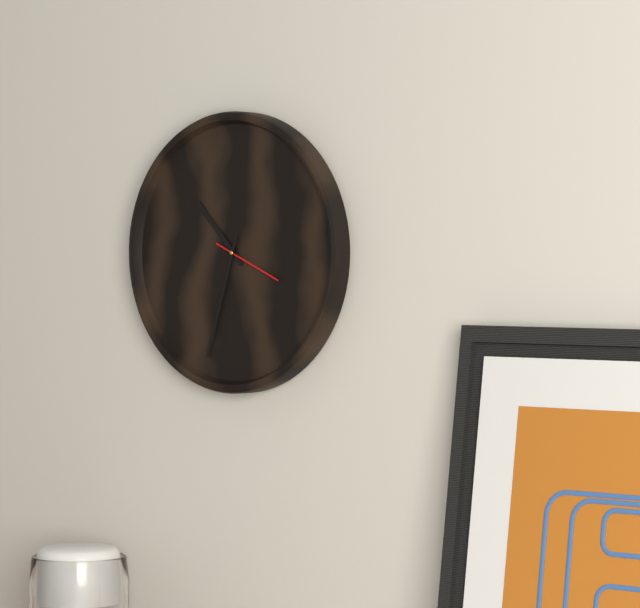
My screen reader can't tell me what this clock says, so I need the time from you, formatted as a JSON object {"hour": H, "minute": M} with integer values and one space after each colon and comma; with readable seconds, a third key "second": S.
{"hour": 10, "minute": 33, "second": 19}
